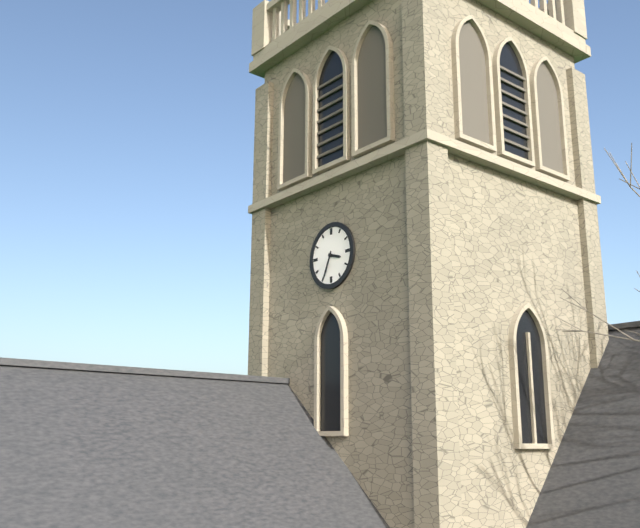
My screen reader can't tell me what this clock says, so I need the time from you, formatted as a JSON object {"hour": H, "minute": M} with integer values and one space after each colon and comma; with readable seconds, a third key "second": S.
{"hour": 3, "minute": 34}
